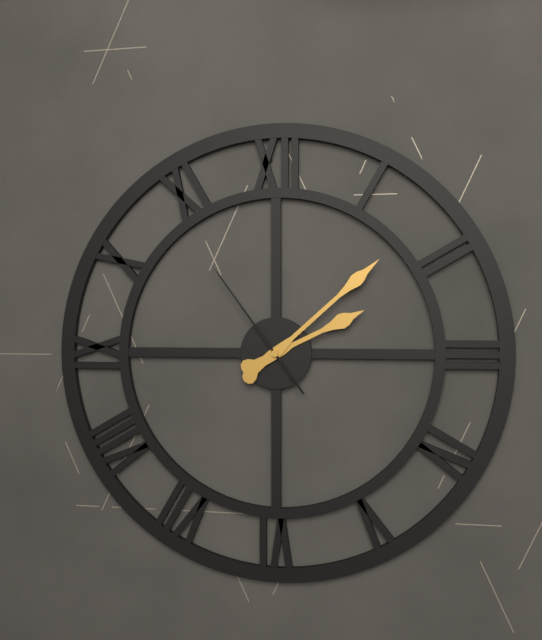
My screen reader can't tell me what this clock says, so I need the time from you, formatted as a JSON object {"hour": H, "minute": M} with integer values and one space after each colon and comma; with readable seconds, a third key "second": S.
{"hour": 2, "minute": 8, "second": 54}
